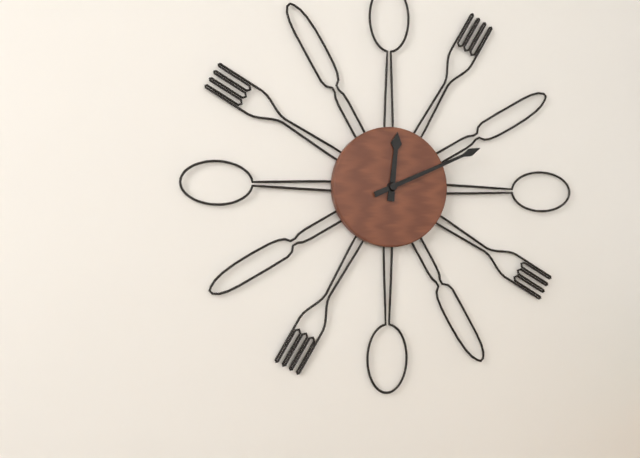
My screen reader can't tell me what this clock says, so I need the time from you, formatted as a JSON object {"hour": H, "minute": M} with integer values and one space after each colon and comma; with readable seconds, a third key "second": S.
{"hour": 12, "minute": 11}
